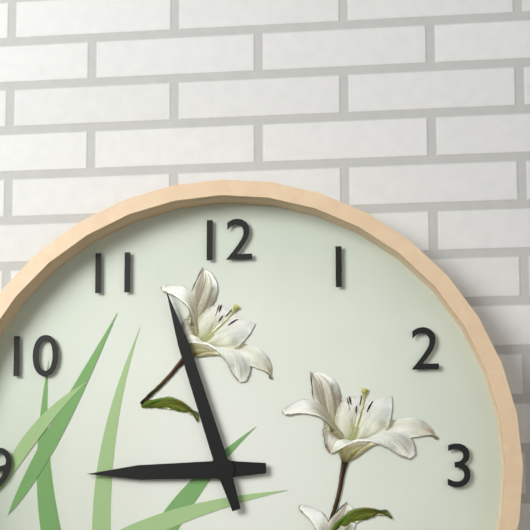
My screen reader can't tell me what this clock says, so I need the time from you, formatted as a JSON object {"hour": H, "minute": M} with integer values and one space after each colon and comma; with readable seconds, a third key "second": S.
{"hour": 8, "minute": 57}
